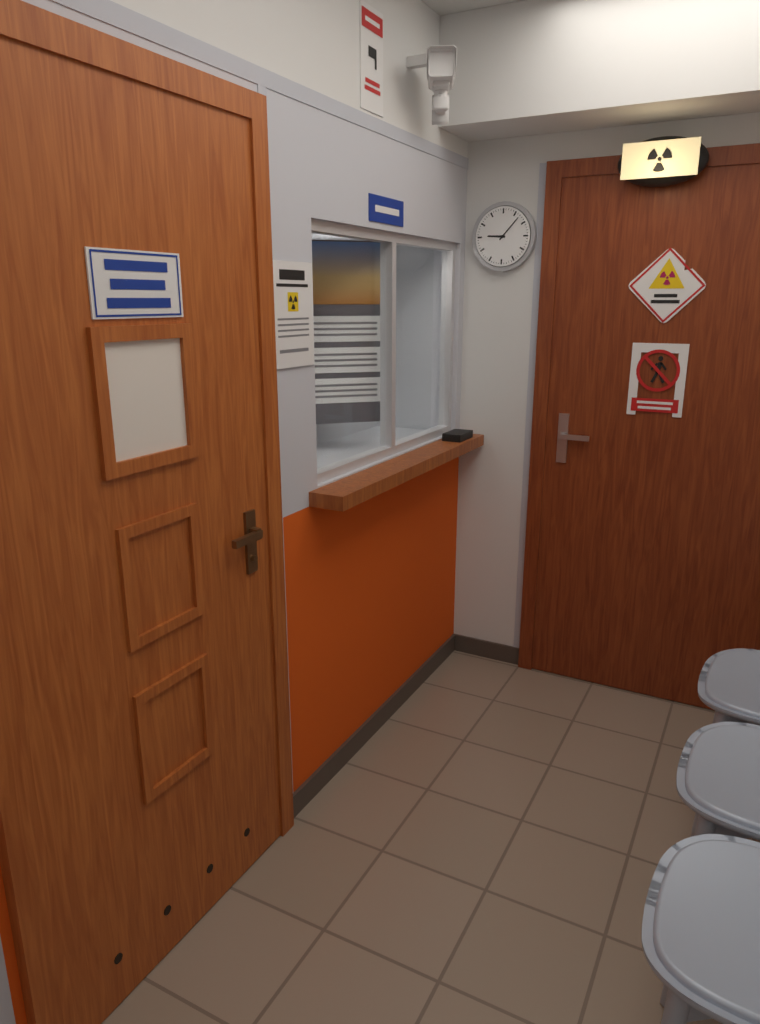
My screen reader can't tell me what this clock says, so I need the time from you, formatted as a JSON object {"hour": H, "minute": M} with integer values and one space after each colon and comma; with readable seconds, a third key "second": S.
{"hour": 9, "minute": 7}
